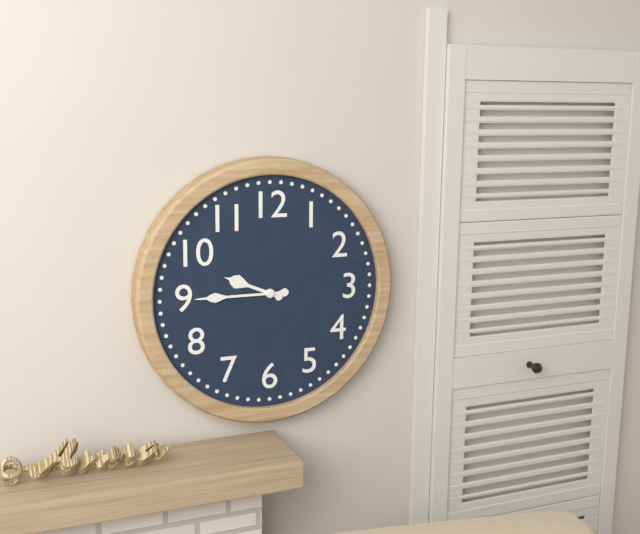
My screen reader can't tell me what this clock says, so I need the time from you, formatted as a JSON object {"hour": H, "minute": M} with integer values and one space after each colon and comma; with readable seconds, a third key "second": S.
{"hour": 9, "minute": 45}
